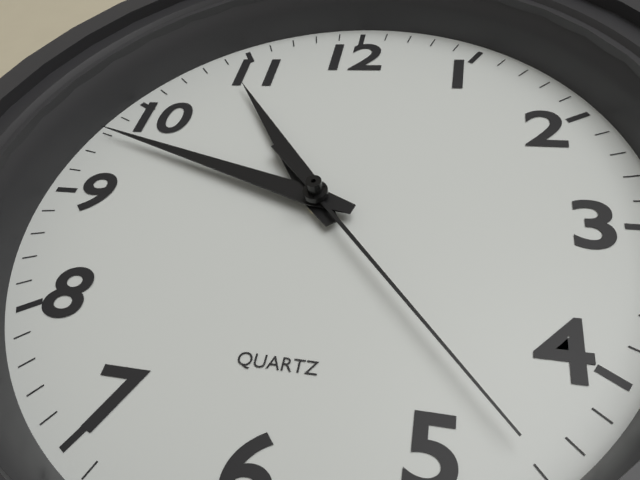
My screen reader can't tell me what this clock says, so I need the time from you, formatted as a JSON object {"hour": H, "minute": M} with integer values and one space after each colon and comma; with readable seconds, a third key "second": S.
{"hour": 10, "minute": 48, "second": 23}
